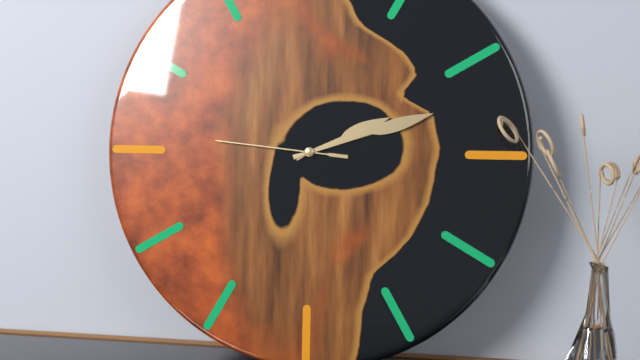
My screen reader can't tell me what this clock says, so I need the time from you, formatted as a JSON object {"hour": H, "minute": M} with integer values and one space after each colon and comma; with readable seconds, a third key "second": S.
{"hour": 2, "minute": 12, "second": 46}
